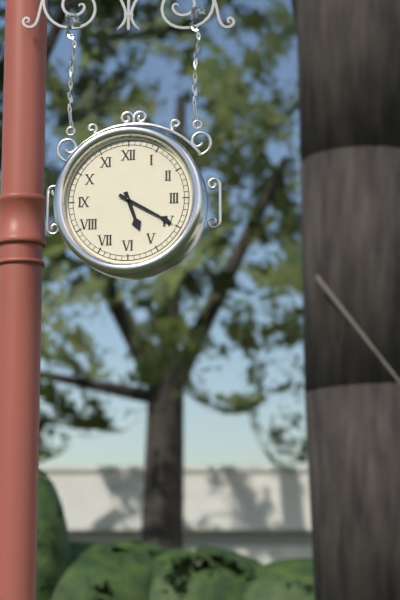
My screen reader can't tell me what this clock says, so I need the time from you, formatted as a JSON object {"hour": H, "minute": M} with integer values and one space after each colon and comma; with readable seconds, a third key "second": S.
{"hour": 5, "minute": 20}
